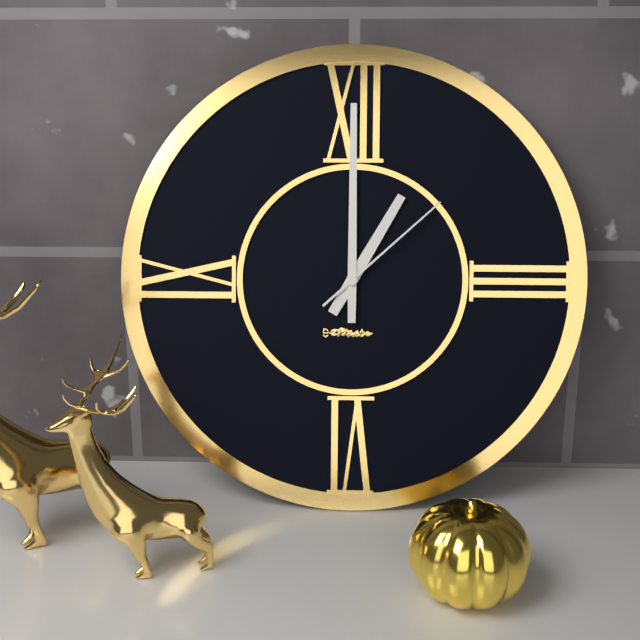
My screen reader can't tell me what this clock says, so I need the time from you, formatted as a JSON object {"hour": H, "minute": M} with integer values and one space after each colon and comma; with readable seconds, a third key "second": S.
{"hour": 1, "minute": 0, "second": 8}
